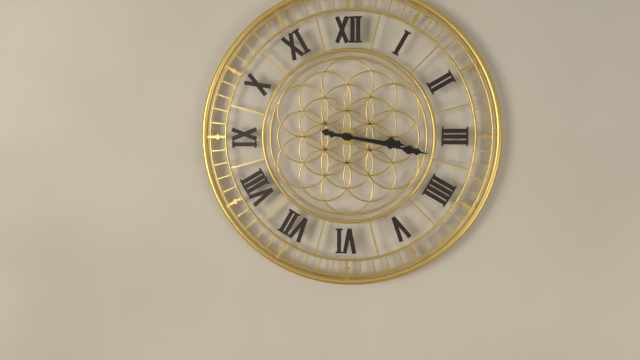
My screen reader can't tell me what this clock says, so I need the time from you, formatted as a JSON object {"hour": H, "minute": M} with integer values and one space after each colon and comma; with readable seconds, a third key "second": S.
{"hour": 3, "minute": 17}
